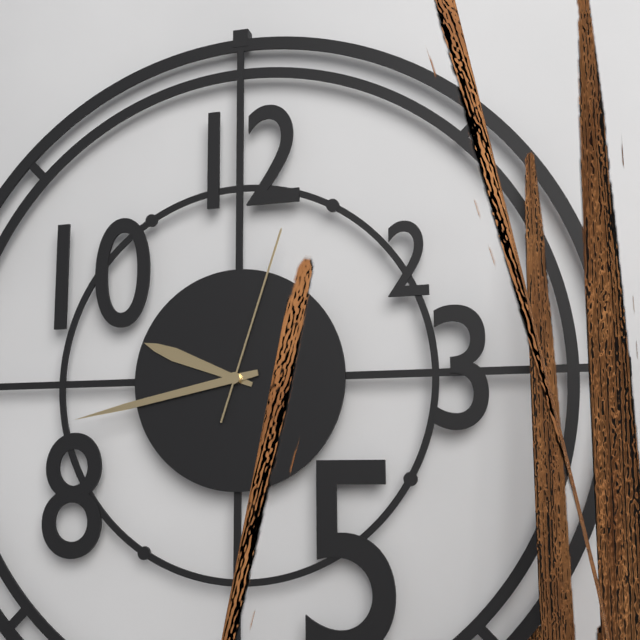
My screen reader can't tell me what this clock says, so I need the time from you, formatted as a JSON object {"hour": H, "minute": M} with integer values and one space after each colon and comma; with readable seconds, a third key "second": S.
{"hour": 9, "minute": 43, "second": 3}
